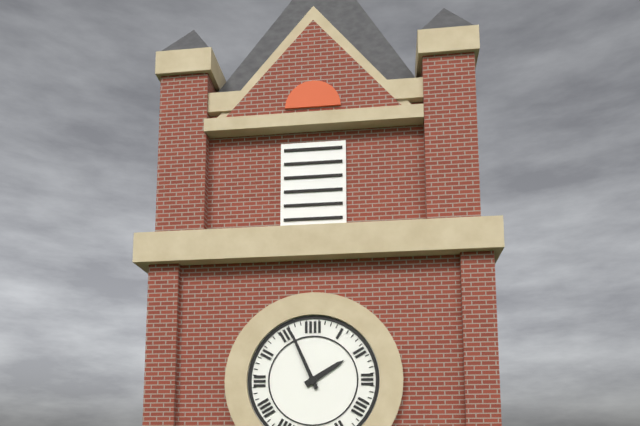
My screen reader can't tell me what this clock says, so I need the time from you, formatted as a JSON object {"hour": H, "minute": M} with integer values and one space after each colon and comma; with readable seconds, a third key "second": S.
{"hour": 1, "minute": 56}
